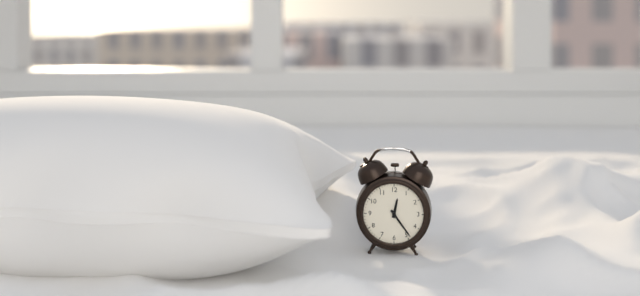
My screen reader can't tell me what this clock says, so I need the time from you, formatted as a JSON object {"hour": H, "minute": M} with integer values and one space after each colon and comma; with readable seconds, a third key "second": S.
{"hour": 12, "minute": 24}
